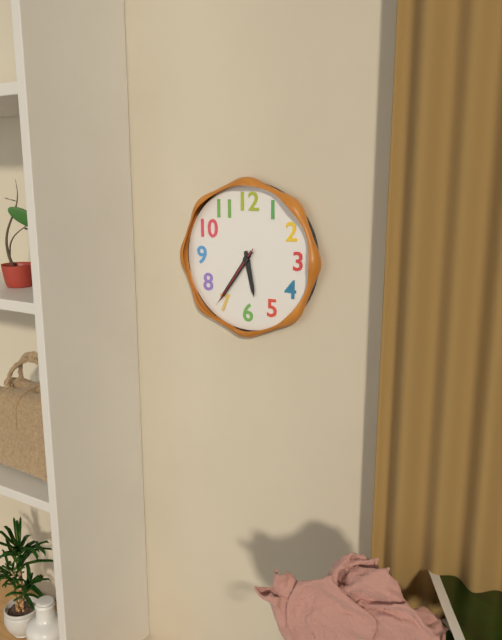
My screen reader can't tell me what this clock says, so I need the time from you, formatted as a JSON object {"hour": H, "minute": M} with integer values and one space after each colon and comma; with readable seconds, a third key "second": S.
{"hour": 5, "minute": 36, "second": 36}
